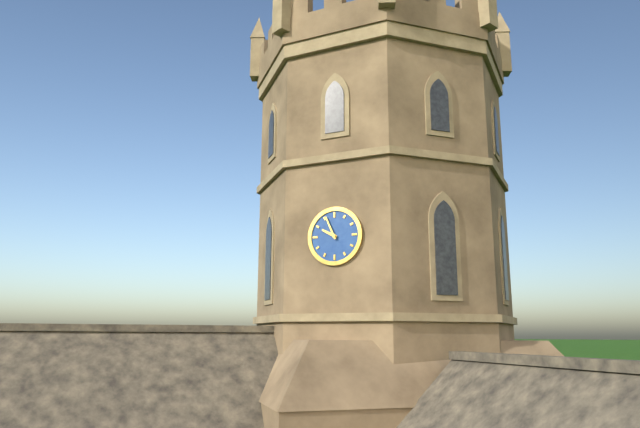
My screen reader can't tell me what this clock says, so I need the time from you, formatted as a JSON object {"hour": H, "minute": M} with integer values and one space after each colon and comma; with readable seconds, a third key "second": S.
{"hour": 9, "minute": 56}
